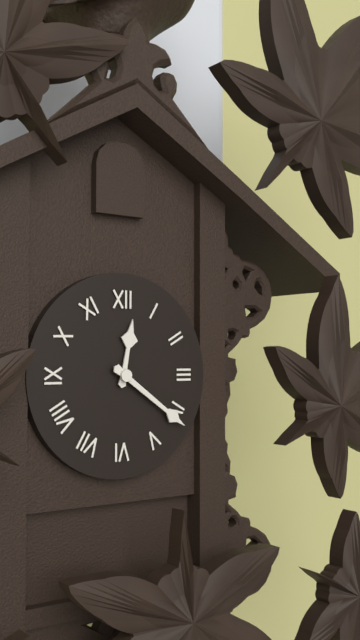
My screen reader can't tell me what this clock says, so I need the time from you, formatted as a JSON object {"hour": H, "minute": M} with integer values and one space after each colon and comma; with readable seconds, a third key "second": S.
{"hour": 12, "minute": 21}
